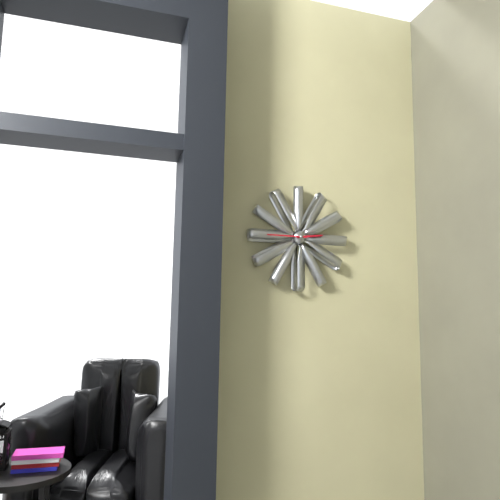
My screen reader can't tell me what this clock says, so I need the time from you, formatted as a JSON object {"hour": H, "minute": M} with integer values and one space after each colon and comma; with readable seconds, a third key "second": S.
{"hour": 2, "minute": 45}
